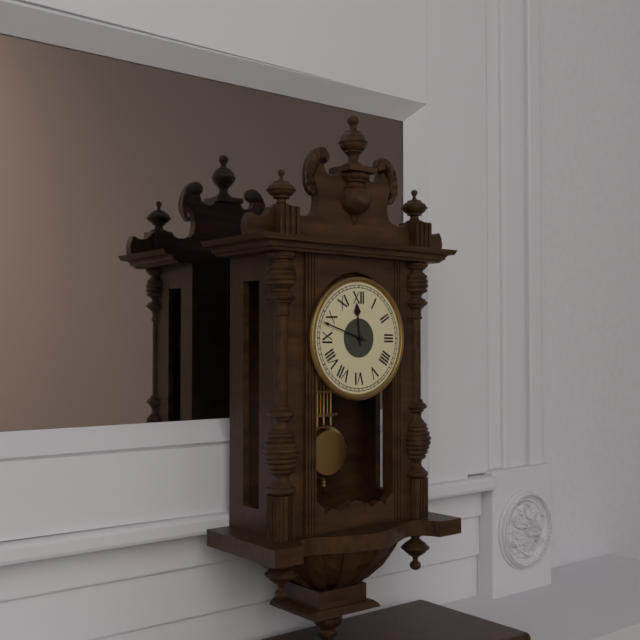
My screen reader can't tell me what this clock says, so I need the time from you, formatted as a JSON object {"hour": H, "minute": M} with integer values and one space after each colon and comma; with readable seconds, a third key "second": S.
{"hour": 11, "minute": 48}
